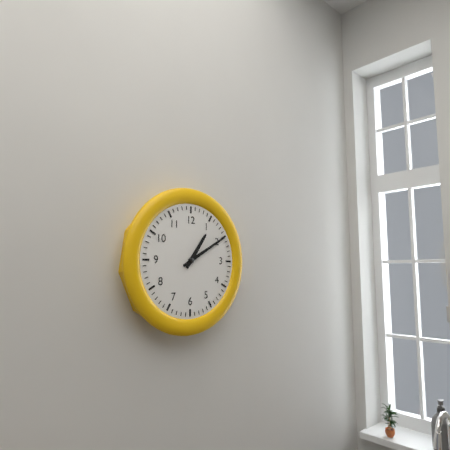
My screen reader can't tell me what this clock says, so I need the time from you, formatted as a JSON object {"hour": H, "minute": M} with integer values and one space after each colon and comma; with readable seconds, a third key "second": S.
{"hour": 1, "minute": 10}
